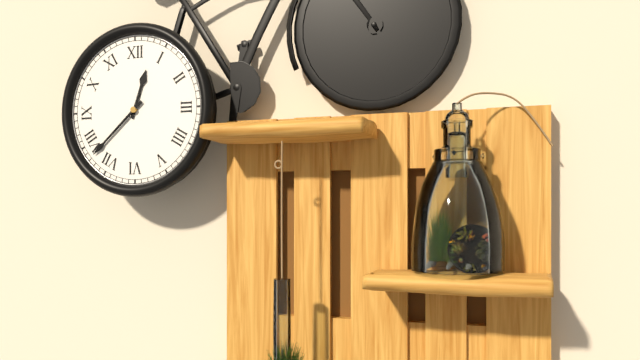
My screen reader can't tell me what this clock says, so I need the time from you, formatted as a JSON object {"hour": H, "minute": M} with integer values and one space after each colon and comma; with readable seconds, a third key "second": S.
{"hour": 12, "minute": 38}
